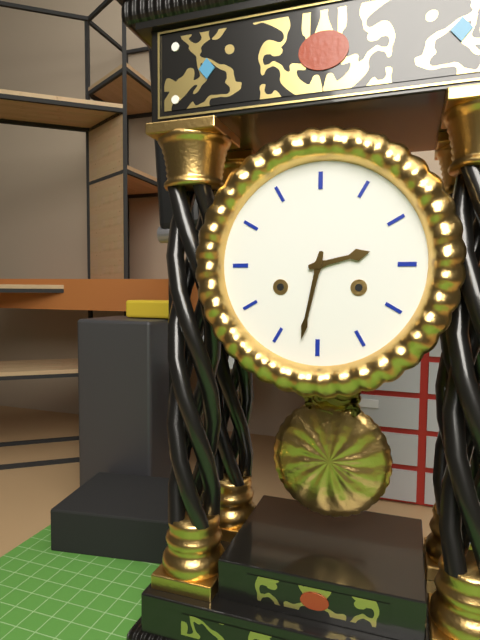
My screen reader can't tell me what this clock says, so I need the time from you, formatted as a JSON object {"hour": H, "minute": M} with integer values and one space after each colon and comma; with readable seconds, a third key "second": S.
{"hour": 2, "minute": 32}
